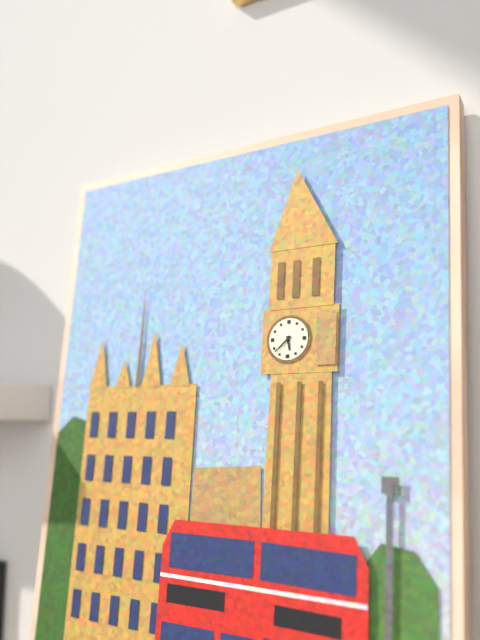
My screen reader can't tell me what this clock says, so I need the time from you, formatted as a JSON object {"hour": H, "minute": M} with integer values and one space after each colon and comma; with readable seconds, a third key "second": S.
{"hour": 5, "minute": 38}
